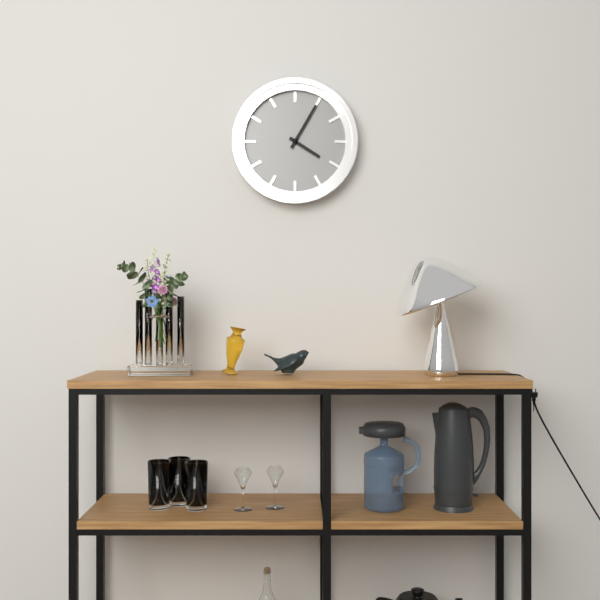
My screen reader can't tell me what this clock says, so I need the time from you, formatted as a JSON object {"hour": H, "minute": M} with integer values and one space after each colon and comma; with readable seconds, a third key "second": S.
{"hour": 4, "minute": 5}
